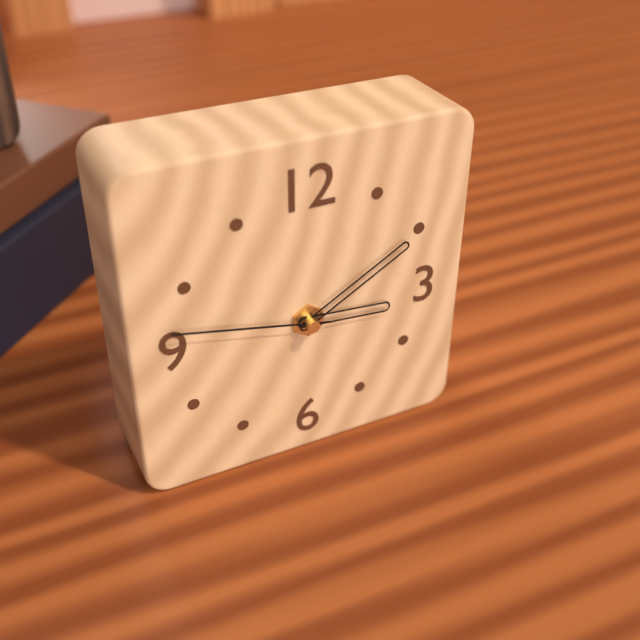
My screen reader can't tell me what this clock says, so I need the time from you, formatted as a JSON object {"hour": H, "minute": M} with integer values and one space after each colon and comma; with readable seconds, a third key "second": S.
{"hour": 3, "minute": 10, "second": 47}
